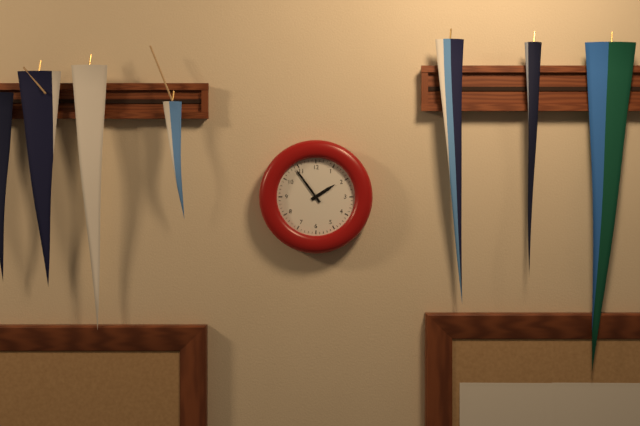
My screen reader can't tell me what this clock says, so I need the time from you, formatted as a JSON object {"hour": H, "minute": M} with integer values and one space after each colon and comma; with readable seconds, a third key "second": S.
{"hour": 1, "minute": 54}
